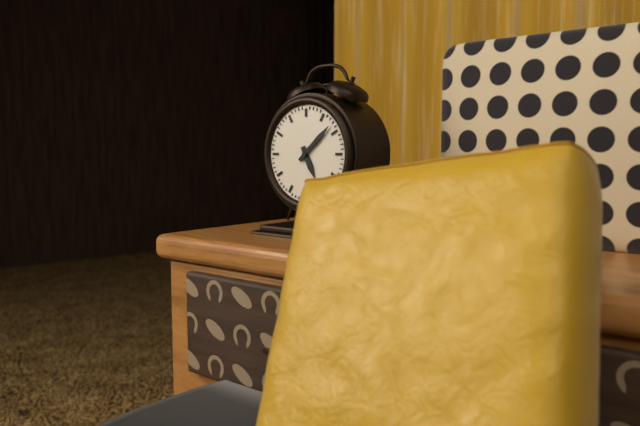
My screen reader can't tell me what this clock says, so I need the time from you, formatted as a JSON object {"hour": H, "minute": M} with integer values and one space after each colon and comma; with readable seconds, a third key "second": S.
{"hour": 5, "minute": 8}
